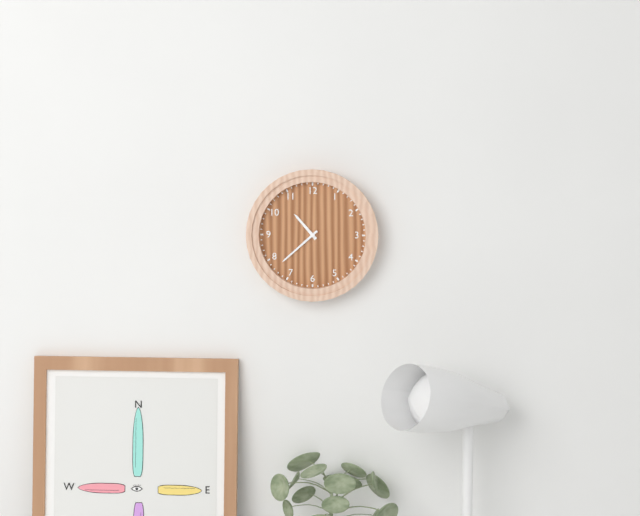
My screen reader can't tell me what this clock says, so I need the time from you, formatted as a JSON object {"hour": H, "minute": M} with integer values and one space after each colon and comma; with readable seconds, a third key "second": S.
{"hour": 10, "minute": 38}
